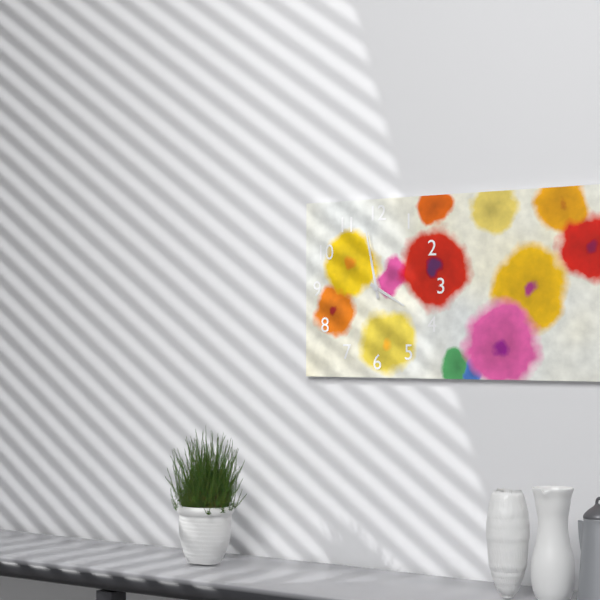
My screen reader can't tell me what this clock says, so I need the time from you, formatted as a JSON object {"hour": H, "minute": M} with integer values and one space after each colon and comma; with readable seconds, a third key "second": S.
{"hour": 3, "minute": 58}
